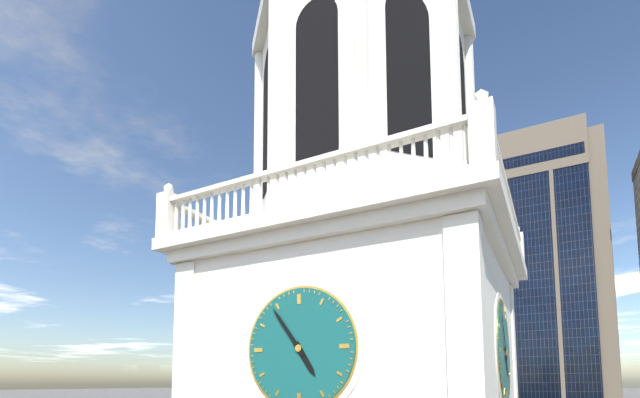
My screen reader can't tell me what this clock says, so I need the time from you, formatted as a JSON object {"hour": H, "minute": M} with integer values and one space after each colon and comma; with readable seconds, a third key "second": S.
{"hour": 4, "minute": 54}
